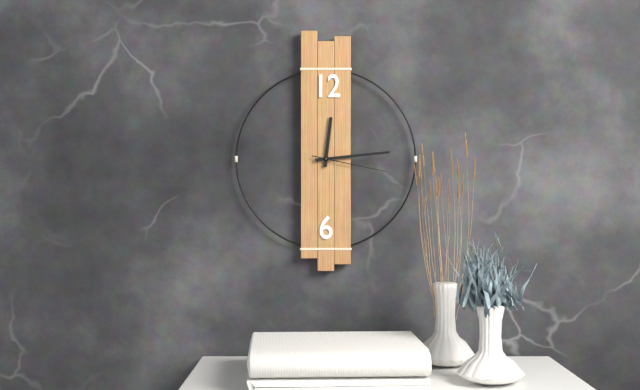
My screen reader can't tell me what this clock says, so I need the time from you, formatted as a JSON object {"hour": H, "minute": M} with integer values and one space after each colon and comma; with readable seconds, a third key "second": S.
{"hour": 12, "minute": 14, "second": 17}
